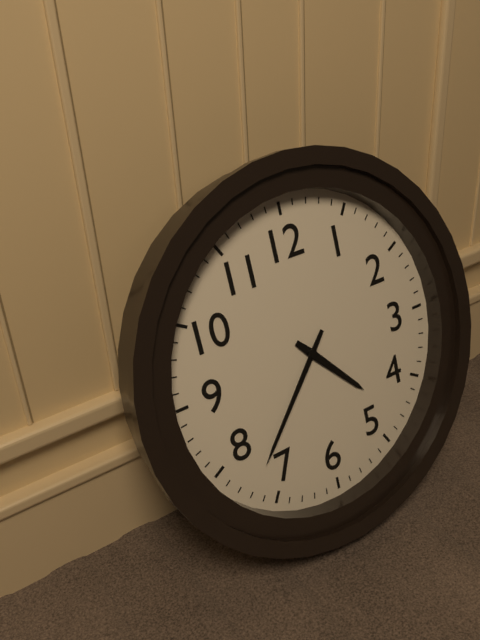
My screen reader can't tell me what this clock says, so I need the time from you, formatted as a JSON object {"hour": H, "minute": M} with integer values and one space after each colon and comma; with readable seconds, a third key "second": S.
{"hour": 4, "minute": 37}
